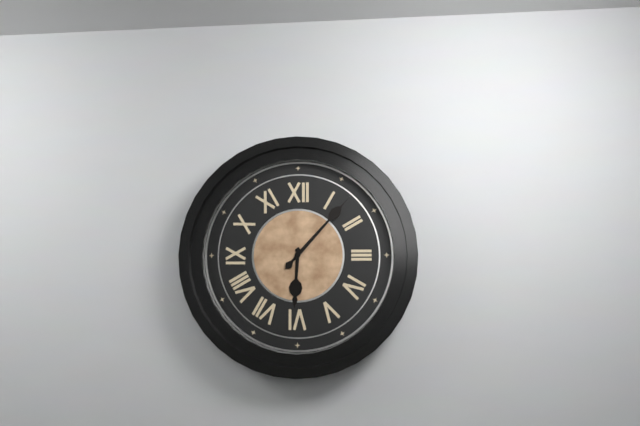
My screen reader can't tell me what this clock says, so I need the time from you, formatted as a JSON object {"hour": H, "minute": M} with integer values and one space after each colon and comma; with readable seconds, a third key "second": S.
{"hour": 6, "minute": 7}
